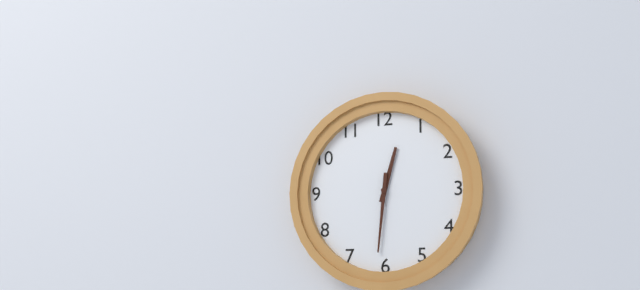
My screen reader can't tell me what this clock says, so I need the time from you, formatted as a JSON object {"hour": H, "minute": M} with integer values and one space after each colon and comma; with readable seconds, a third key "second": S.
{"hour": 12, "minute": 31}
